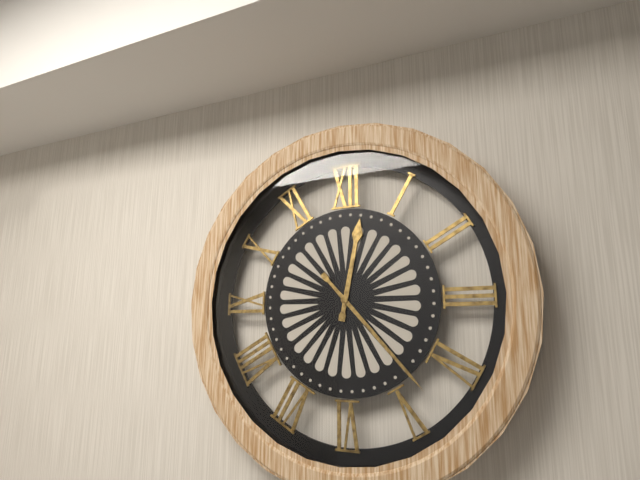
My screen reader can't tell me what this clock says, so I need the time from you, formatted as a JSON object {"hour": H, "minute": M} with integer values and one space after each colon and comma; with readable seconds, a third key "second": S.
{"hour": 12, "minute": 23}
